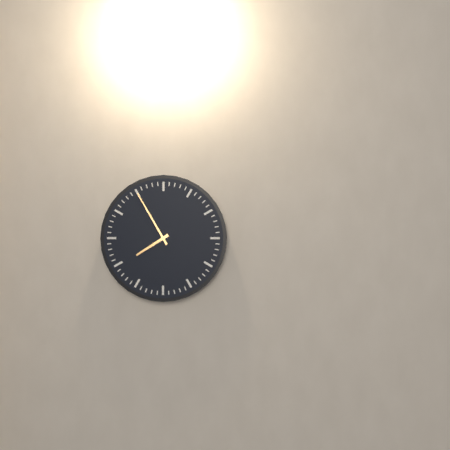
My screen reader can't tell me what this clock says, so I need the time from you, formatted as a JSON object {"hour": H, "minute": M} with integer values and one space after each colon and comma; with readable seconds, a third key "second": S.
{"hour": 7, "minute": 55}
